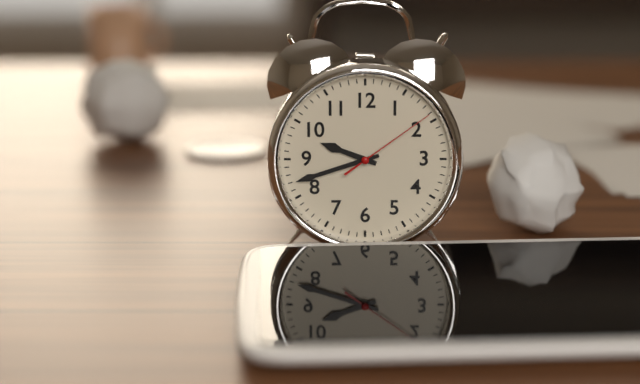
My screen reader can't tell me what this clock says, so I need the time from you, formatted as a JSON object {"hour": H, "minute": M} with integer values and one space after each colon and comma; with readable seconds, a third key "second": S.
{"hour": 9, "minute": 42, "second": 9}
